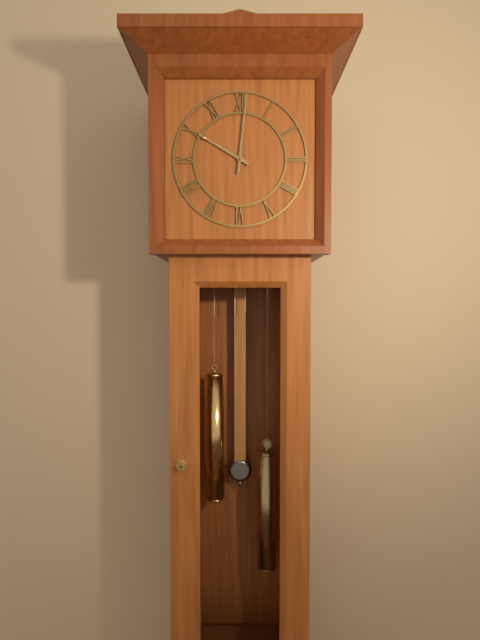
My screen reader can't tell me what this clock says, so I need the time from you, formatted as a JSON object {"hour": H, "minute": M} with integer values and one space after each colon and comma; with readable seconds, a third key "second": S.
{"hour": 10, "minute": 1}
